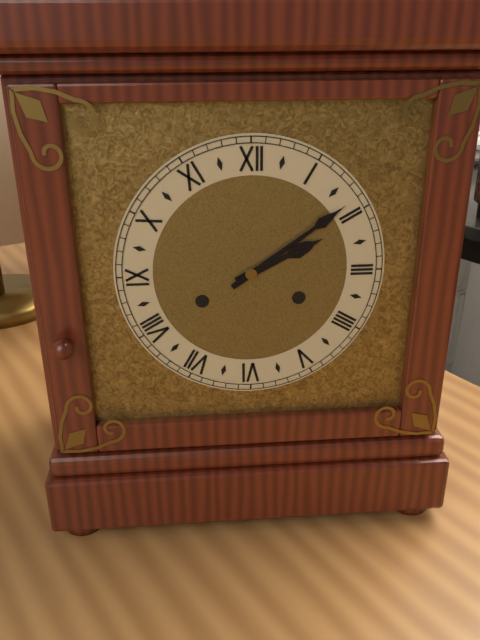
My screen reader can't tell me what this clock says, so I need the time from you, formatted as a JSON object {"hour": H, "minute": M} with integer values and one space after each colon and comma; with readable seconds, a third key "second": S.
{"hour": 2, "minute": 9}
